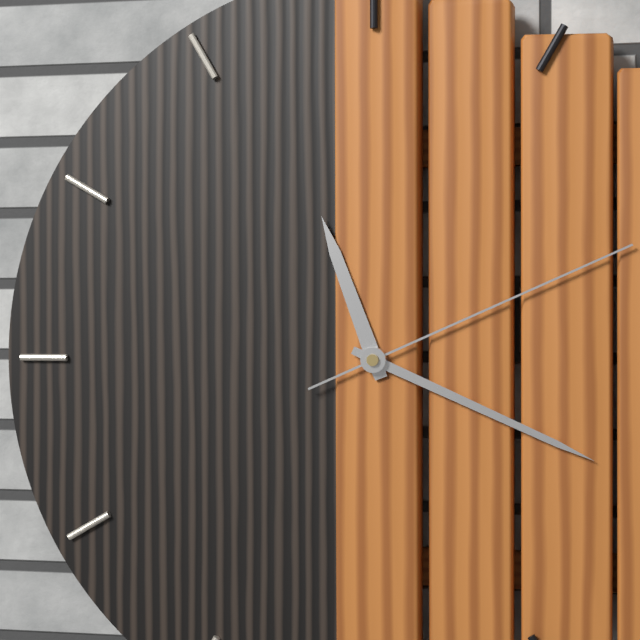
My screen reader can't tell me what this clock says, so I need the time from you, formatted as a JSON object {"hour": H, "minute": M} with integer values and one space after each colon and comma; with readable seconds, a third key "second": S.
{"hour": 11, "minute": 19, "second": 11}
